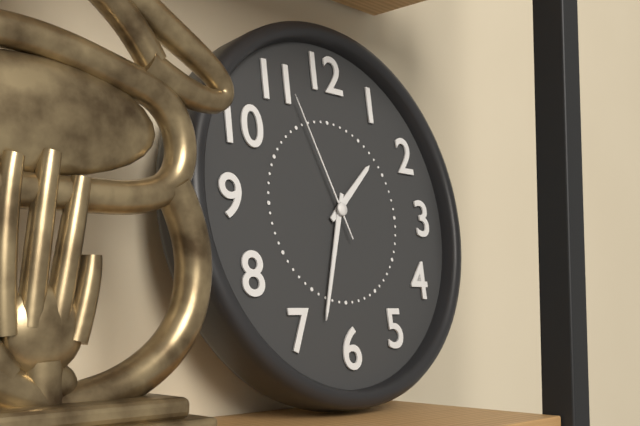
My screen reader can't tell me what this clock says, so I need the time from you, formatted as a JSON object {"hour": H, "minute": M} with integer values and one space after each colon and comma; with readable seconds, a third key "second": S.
{"hour": 1, "minute": 33, "second": 56}
